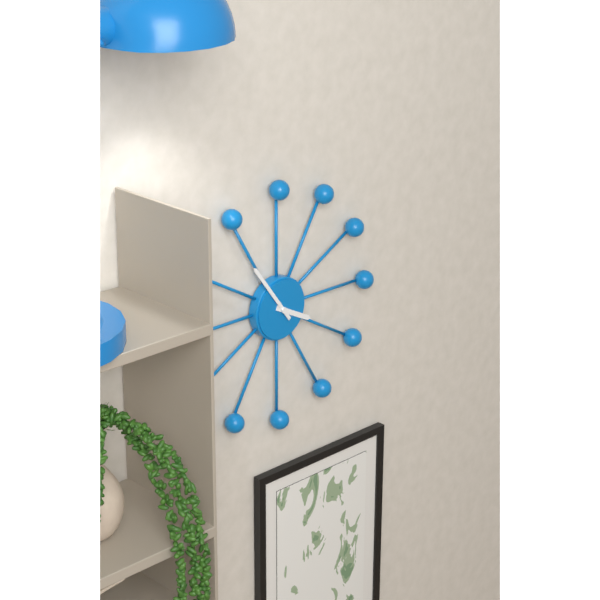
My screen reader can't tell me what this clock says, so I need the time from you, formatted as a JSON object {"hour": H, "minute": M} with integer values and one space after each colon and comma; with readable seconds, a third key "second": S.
{"hour": 3, "minute": 54}
